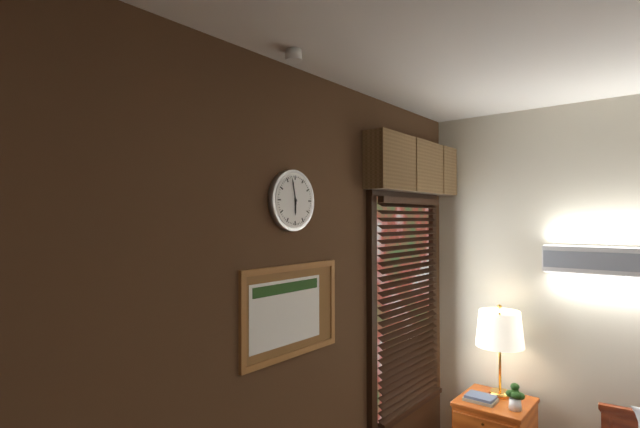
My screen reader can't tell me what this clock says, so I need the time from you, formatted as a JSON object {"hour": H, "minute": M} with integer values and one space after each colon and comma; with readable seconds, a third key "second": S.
{"hour": 5, "minute": 58}
